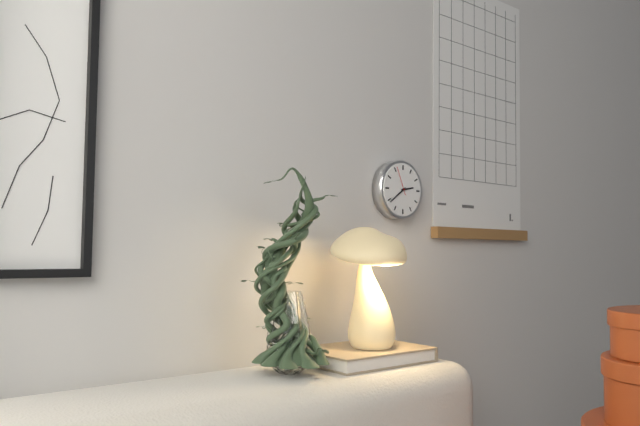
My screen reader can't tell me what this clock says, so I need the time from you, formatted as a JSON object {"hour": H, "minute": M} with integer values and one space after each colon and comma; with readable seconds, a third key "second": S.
{"hour": 2, "minute": 39}
